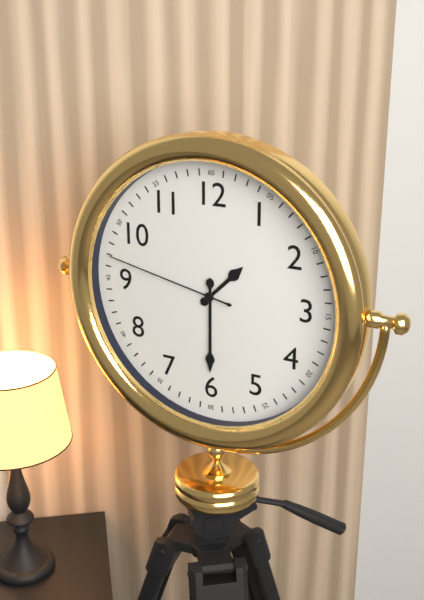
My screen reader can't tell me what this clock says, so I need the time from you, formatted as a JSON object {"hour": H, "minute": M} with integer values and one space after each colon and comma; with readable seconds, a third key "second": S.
{"hour": 1, "minute": 30, "second": 47}
